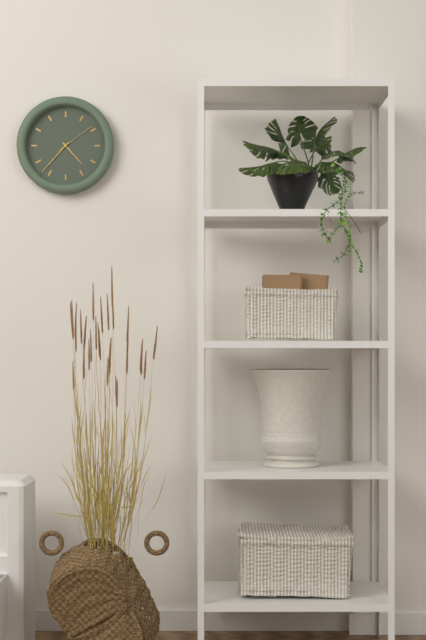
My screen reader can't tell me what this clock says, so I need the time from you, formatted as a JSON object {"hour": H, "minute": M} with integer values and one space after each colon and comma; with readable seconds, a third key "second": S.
{"hour": 4, "minute": 37}
